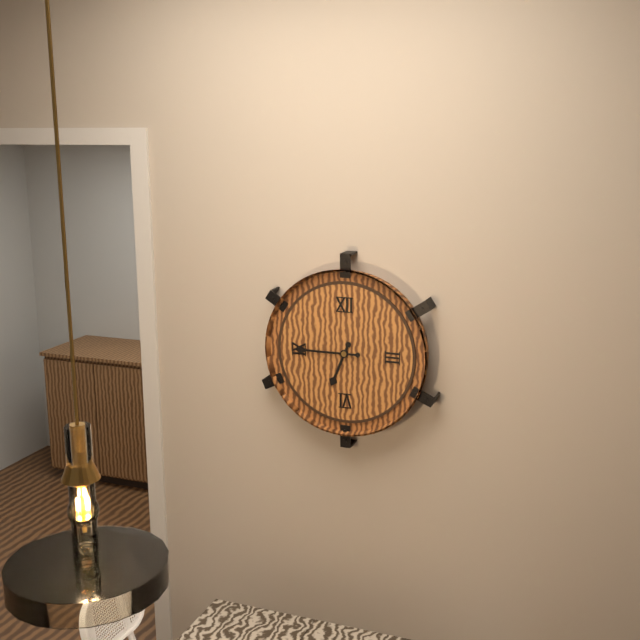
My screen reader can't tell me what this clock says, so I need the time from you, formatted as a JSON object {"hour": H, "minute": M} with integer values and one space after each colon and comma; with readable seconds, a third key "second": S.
{"hour": 6, "minute": 45}
